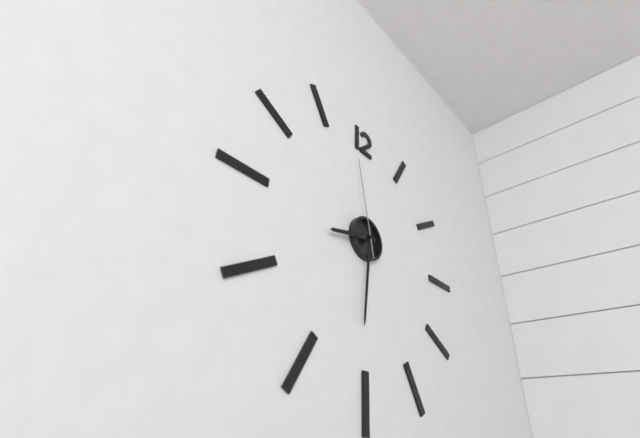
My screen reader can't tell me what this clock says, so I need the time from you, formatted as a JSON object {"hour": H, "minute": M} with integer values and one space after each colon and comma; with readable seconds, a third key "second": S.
{"hour": 8, "minute": 31, "second": 58}
